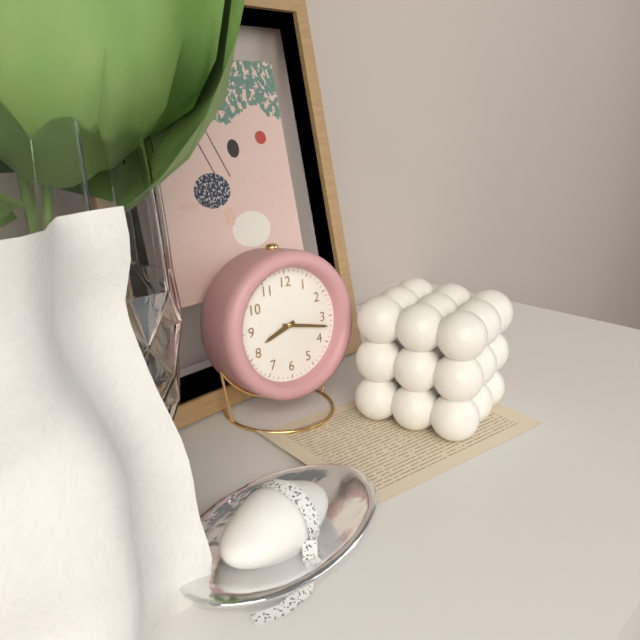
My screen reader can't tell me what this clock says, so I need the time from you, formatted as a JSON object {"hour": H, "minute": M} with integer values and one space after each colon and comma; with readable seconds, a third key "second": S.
{"hour": 8, "minute": 17}
